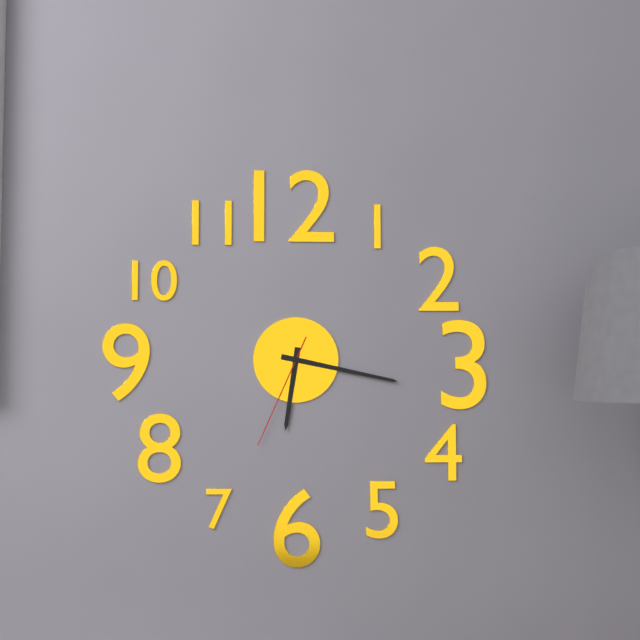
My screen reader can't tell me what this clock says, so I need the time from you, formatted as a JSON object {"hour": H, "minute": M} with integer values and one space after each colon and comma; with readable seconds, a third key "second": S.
{"hour": 6, "minute": 17, "second": 34}
